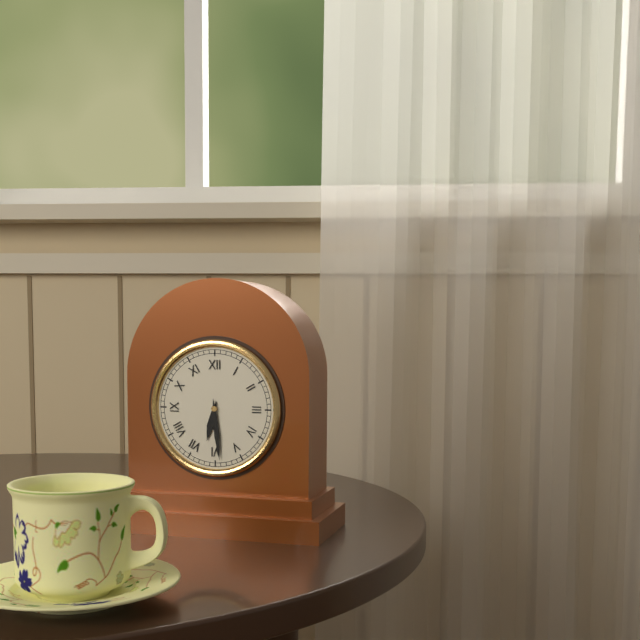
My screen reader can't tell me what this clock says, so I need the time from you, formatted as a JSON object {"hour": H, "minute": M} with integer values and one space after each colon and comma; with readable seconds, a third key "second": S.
{"hour": 6, "minute": 29}
